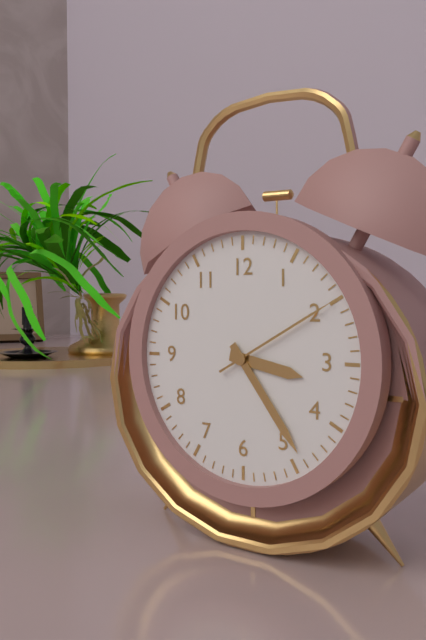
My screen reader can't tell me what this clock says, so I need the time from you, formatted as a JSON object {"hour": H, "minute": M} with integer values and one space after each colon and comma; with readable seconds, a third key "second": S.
{"hour": 3, "minute": 24, "second": 10}
